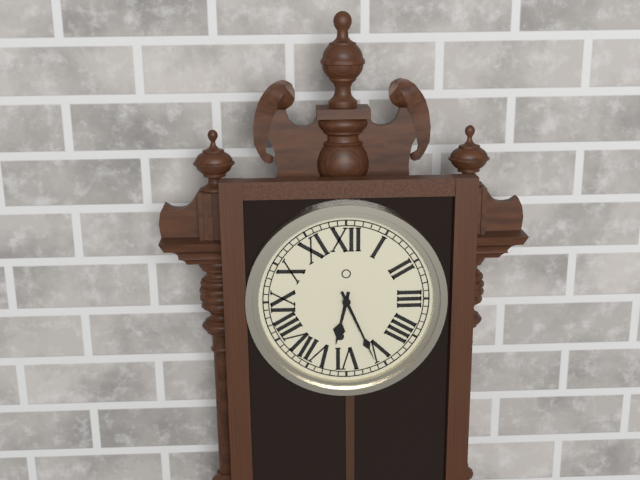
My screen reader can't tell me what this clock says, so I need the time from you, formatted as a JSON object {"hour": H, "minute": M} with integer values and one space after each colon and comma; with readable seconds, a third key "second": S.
{"hour": 6, "minute": 26}
